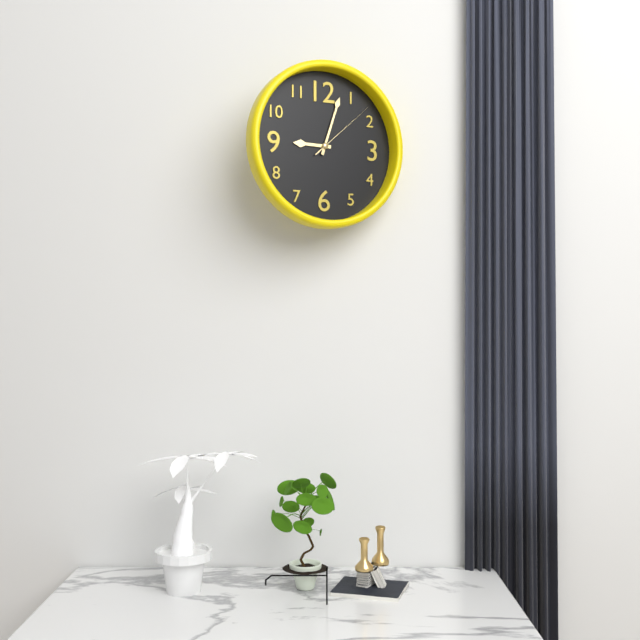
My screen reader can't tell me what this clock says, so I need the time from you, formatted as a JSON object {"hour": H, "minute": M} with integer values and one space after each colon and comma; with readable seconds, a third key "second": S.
{"hour": 9, "minute": 3, "second": 8}
